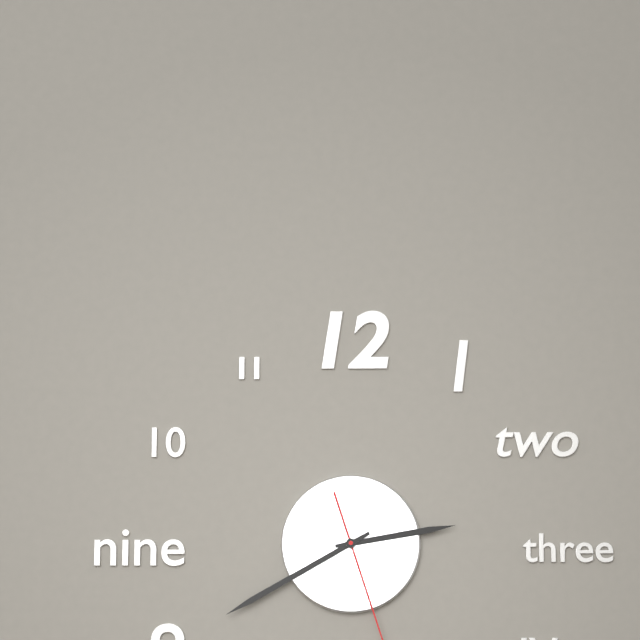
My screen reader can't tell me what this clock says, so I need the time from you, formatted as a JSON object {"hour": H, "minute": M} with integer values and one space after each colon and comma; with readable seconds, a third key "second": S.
{"hour": 2, "minute": 40}
